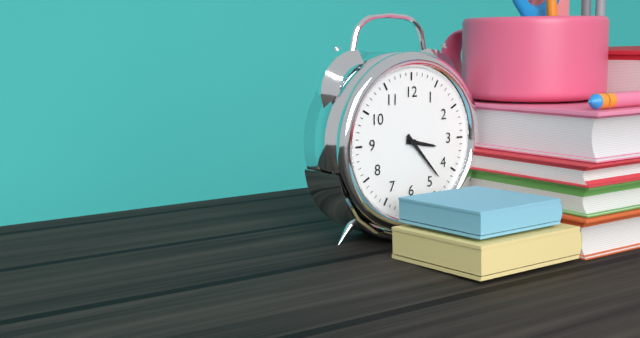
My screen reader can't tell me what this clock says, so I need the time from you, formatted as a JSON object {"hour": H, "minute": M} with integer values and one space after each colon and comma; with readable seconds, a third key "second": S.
{"hour": 3, "minute": 23}
